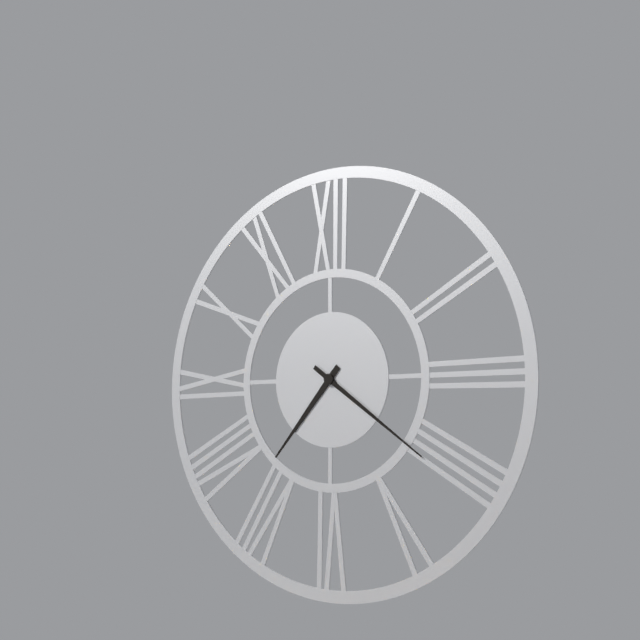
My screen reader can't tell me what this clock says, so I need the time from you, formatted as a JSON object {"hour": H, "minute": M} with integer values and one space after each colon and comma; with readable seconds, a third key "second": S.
{"hour": 7, "minute": 21}
